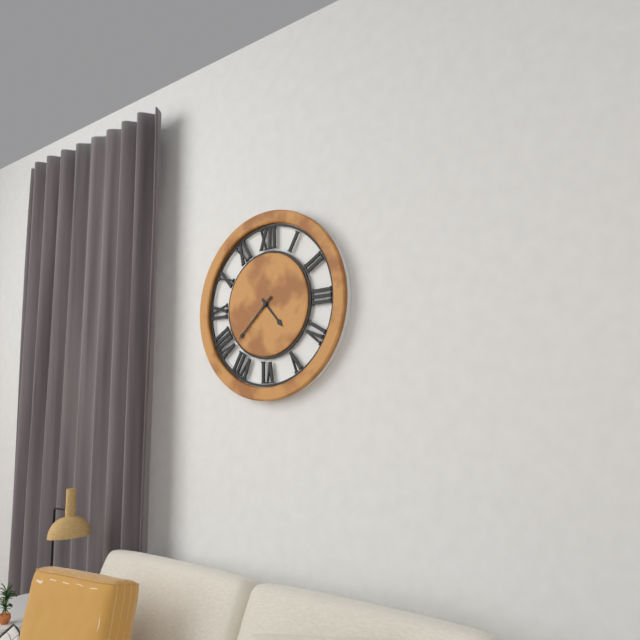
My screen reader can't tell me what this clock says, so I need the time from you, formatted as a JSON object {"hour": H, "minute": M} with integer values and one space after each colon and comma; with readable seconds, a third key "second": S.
{"hour": 4, "minute": 38}
